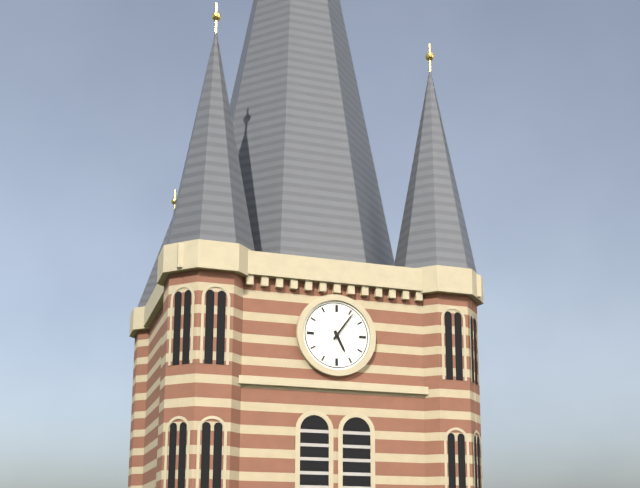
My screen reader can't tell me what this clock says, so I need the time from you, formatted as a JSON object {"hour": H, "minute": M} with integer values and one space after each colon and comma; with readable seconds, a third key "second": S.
{"hour": 5, "minute": 6}
